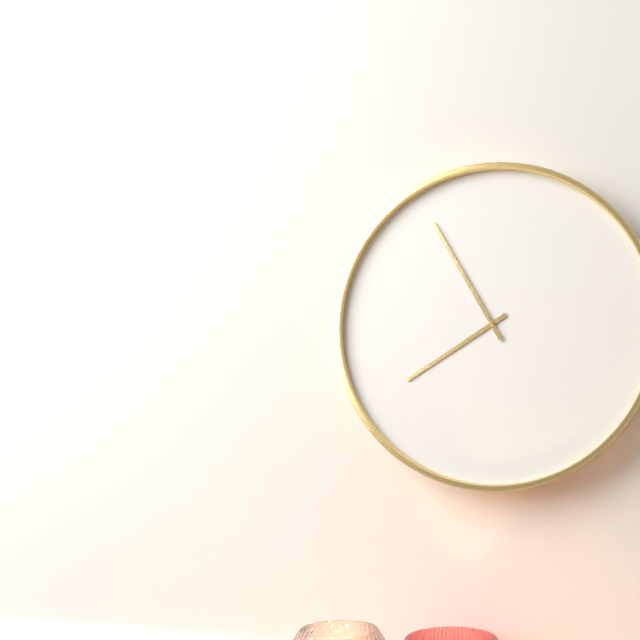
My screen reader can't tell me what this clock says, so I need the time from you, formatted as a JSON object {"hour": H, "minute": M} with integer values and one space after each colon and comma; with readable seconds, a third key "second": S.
{"hour": 7, "minute": 55}
